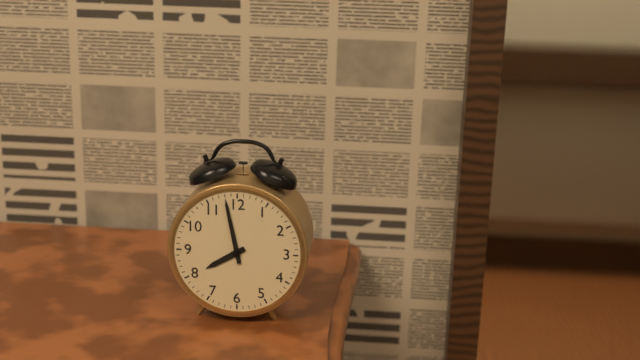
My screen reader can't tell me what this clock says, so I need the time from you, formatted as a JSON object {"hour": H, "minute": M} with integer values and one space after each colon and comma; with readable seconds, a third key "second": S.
{"hour": 7, "minute": 58}
